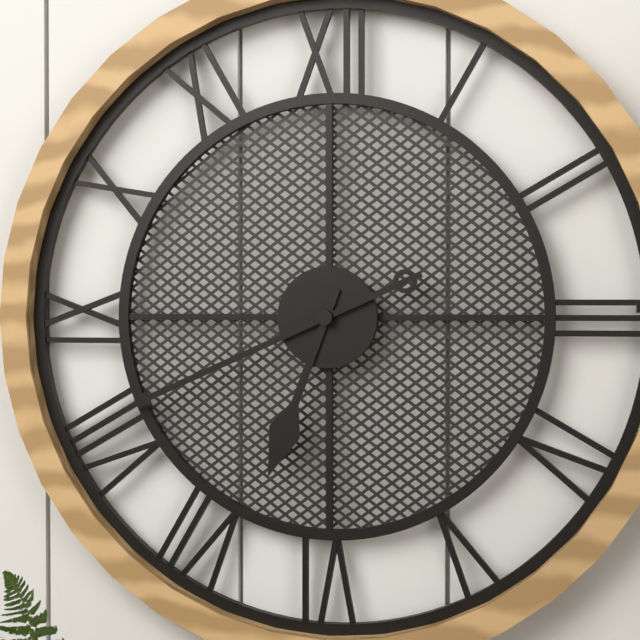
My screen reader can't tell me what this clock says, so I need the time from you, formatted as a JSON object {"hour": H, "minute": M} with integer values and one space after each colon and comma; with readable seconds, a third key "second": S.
{"hour": 6, "minute": 41}
